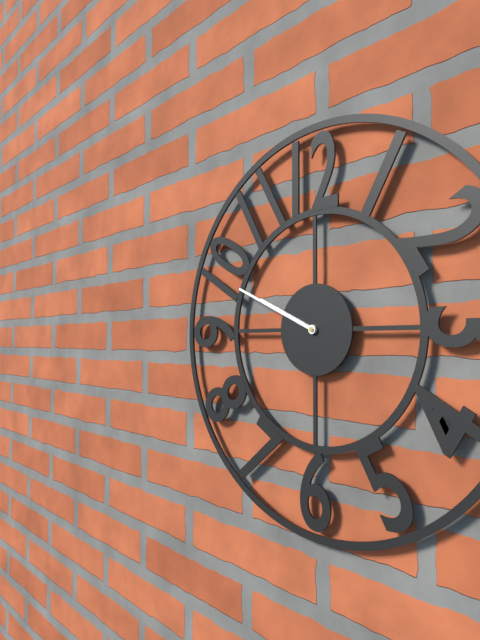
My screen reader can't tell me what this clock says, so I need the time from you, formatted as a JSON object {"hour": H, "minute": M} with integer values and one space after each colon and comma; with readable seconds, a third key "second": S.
{"hour": 9, "minute": 49}
